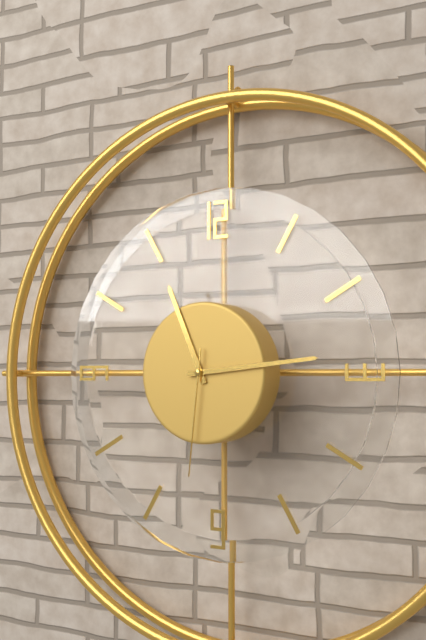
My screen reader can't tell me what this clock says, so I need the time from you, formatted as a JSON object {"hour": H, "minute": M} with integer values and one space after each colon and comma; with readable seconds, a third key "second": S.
{"hour": 11, "minute": 14, "second": 31}
